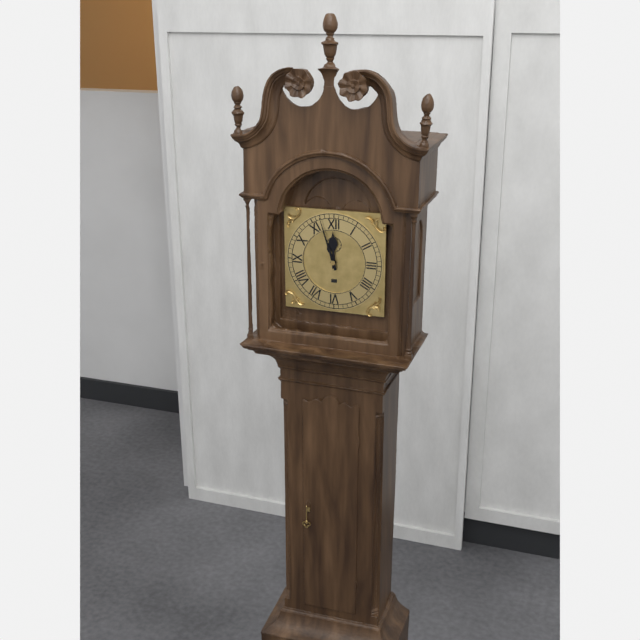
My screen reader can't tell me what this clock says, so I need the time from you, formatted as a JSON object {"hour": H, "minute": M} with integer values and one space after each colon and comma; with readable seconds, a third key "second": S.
{"hour": 11, "minute": 57}
